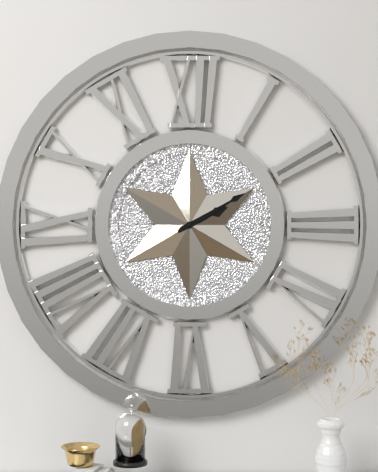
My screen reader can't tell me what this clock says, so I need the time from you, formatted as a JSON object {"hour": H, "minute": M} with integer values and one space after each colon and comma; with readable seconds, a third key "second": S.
{"hour": 2, "minute": 10}
